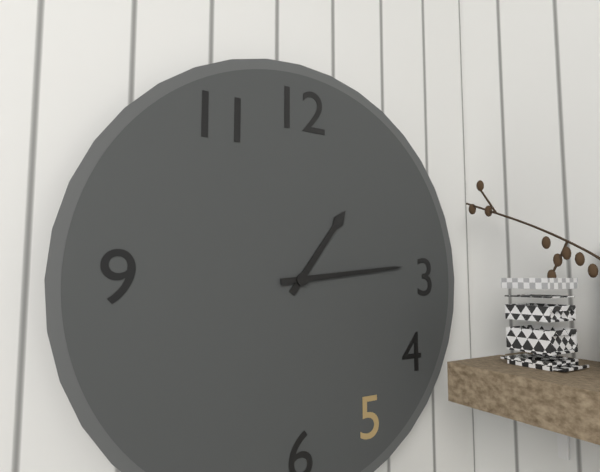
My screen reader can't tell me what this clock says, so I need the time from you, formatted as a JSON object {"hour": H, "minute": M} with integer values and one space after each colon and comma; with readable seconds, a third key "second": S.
{"hour": 1, "minute": 14}
